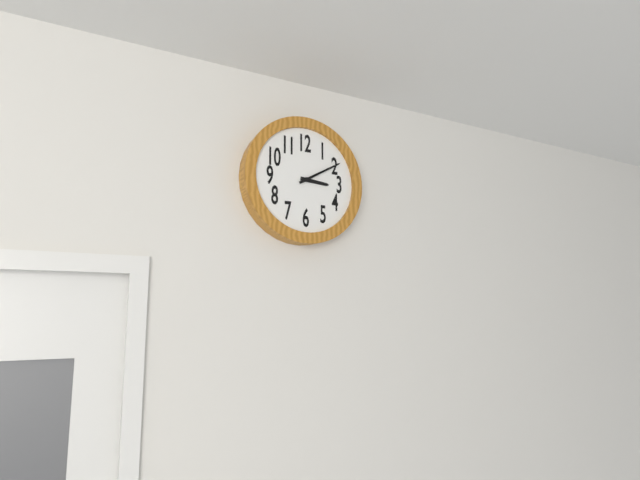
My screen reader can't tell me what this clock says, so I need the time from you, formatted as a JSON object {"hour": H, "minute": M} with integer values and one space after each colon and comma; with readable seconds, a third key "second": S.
{"hour": 3, "minute": 10}
